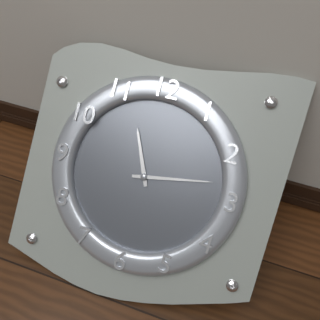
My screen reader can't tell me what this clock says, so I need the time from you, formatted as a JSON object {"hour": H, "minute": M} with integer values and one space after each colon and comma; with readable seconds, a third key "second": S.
{"hour": 11, "minute": 13}
